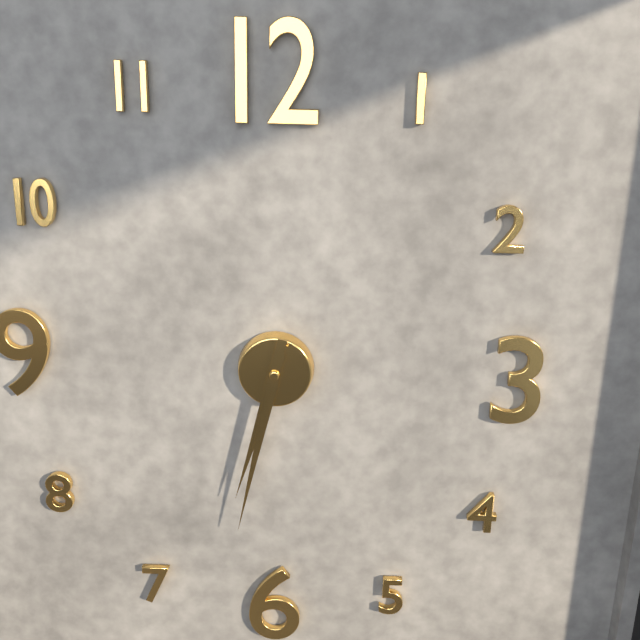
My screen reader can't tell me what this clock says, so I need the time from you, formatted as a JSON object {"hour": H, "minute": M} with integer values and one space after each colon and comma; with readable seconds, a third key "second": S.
{"hour": 6, "minute": 32}
